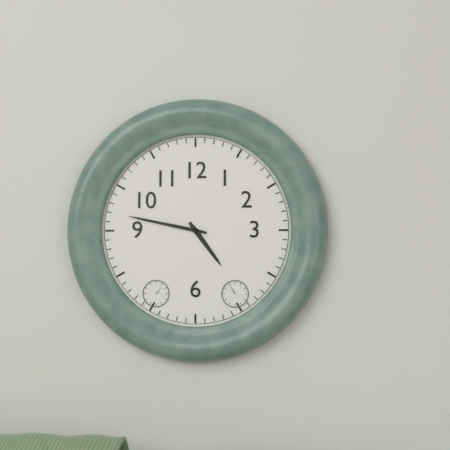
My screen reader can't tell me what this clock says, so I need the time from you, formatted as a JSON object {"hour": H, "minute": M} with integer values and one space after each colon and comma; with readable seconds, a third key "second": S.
{"hour": 4, "minute": 47}
